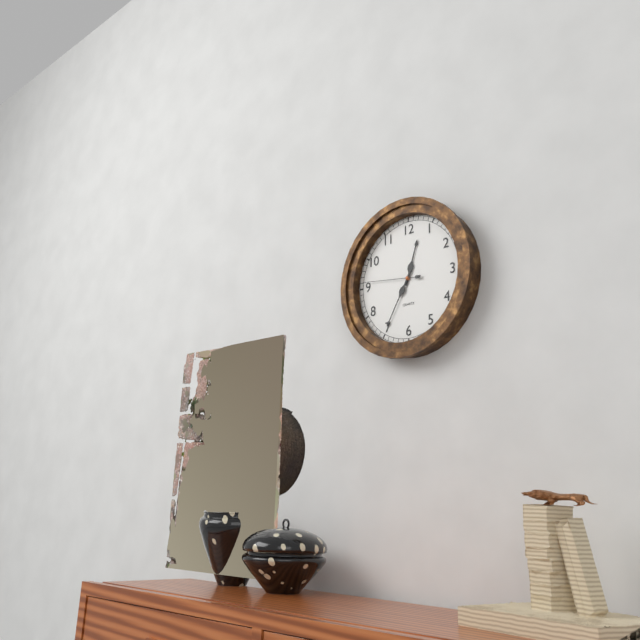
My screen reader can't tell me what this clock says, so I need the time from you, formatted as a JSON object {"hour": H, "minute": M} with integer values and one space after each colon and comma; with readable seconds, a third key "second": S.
{"hour": 12, "minute": 35, "second": 46}
